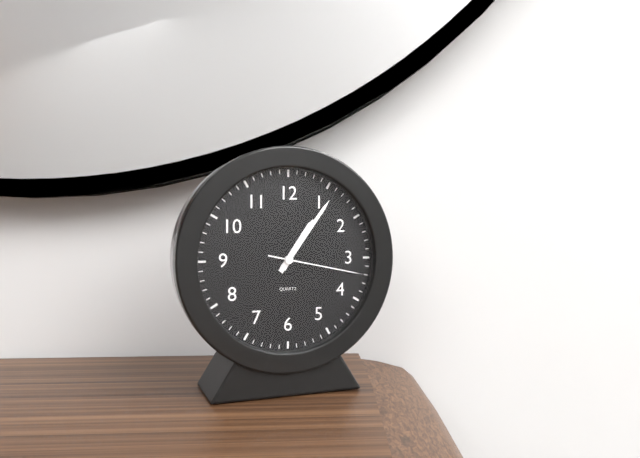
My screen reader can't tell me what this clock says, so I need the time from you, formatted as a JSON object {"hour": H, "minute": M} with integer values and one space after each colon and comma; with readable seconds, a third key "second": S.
{"hour": 1, "minute": 6, "second": 17}
